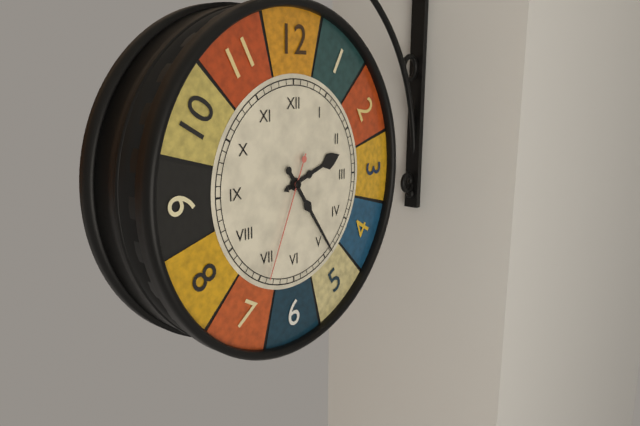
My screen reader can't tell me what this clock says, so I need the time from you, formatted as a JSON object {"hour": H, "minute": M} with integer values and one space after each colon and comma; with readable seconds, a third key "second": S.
{"hour": 2, "minute": 24, "second": 34}
